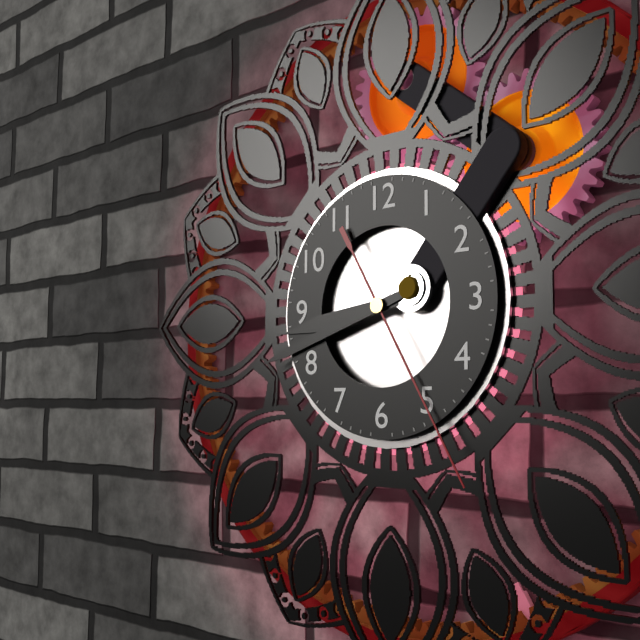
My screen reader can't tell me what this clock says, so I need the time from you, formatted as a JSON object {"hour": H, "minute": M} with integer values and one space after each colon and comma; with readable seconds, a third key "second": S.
{"hour": 8, "minute": 42, "second": 25}
